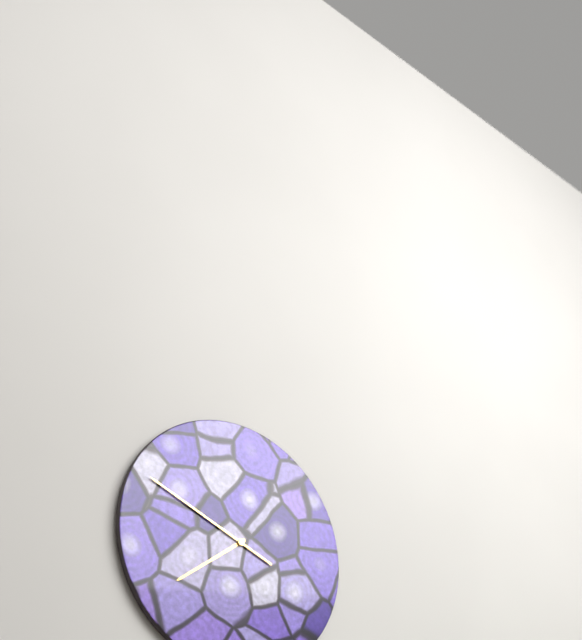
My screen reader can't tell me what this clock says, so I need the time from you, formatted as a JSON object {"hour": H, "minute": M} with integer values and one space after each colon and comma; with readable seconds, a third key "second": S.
{"hour": 7, "minute": 49}
